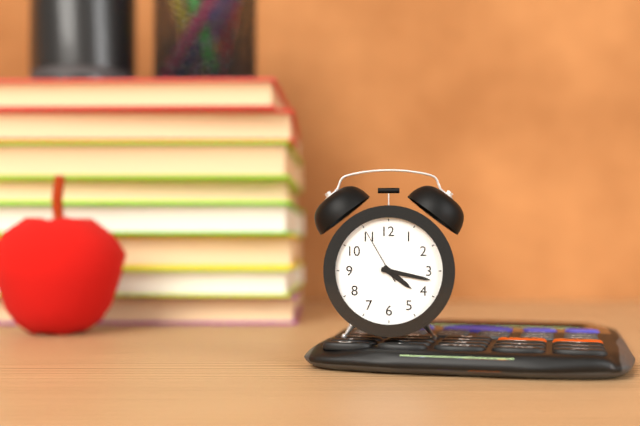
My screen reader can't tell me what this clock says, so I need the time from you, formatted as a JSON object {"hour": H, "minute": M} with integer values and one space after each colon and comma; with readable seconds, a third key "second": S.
{"hour": 4, "minute": 17, "second": 55}
